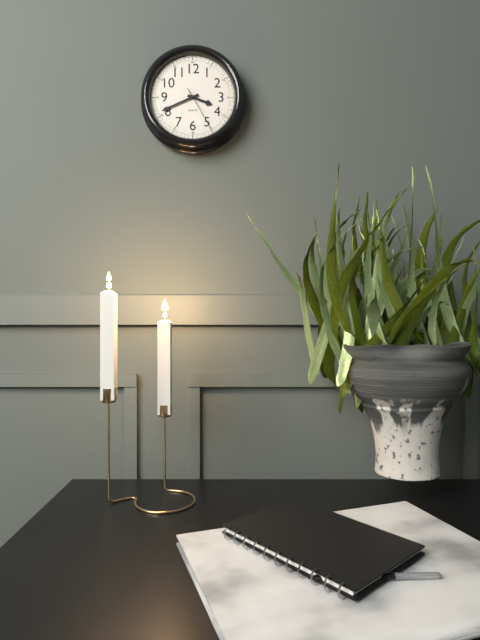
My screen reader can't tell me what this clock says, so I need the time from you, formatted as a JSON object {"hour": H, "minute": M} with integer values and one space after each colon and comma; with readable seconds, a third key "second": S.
{"hour": 3, "minute": 41}
